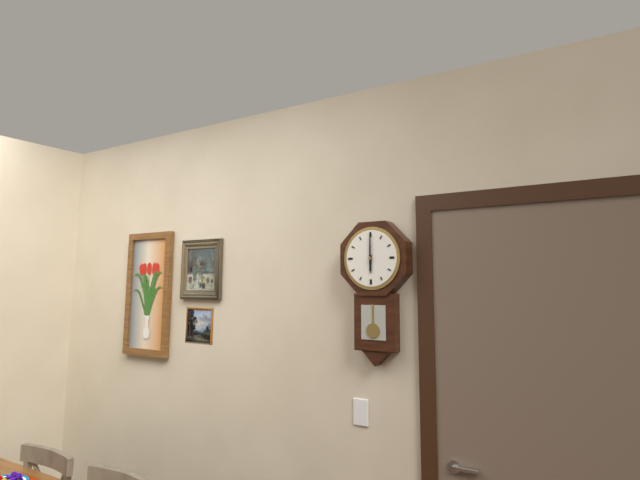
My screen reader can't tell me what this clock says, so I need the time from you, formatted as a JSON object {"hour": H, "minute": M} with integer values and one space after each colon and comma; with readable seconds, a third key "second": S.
{"hour": 6, "minute": 0}
